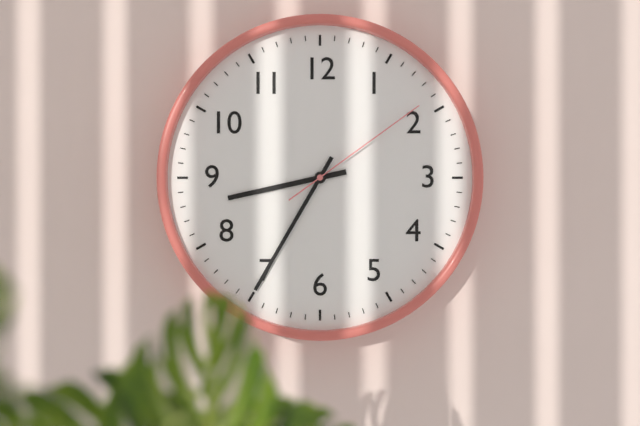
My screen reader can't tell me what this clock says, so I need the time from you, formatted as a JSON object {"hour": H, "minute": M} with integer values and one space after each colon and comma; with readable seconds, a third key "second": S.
{"hour": 8, "minute": 35, "second": 9}
